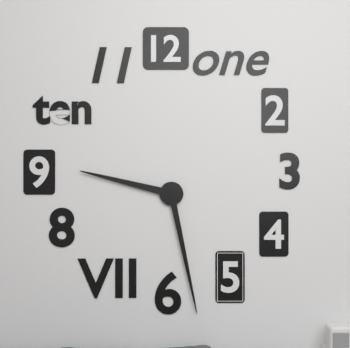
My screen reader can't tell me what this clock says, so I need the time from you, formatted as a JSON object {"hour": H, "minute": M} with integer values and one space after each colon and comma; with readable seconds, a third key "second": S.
{"hour": 9, "minute": 28}
